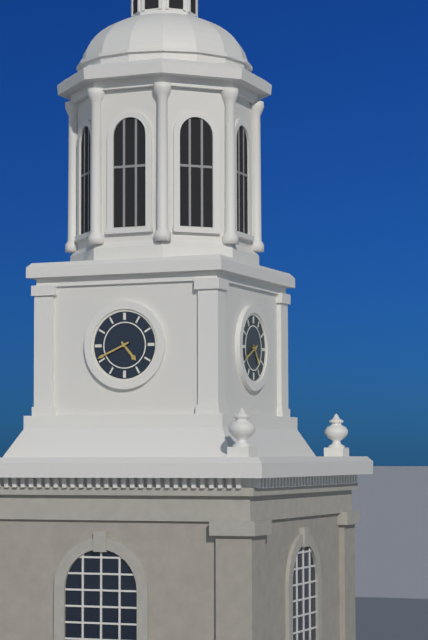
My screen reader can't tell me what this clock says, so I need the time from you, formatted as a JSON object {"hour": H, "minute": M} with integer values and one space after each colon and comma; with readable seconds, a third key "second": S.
{"hour": 4, "minute": 41}
